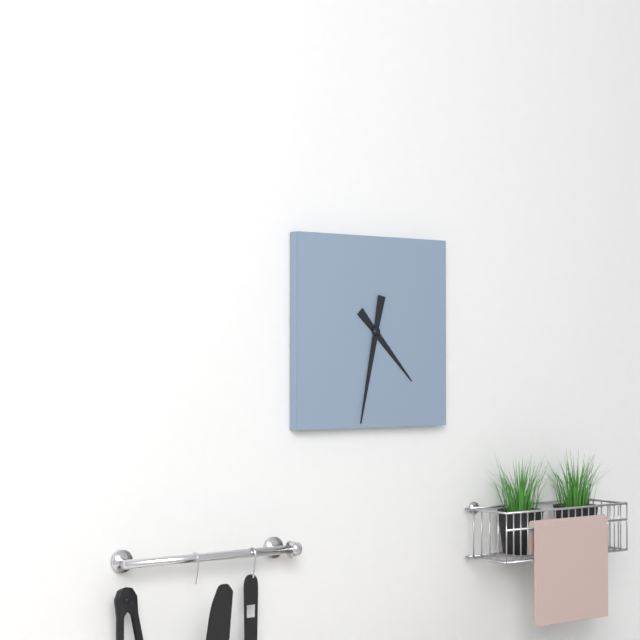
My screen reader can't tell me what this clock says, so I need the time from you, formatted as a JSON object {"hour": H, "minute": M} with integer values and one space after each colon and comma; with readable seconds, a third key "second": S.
{"hour": 4, "minute": 32}
